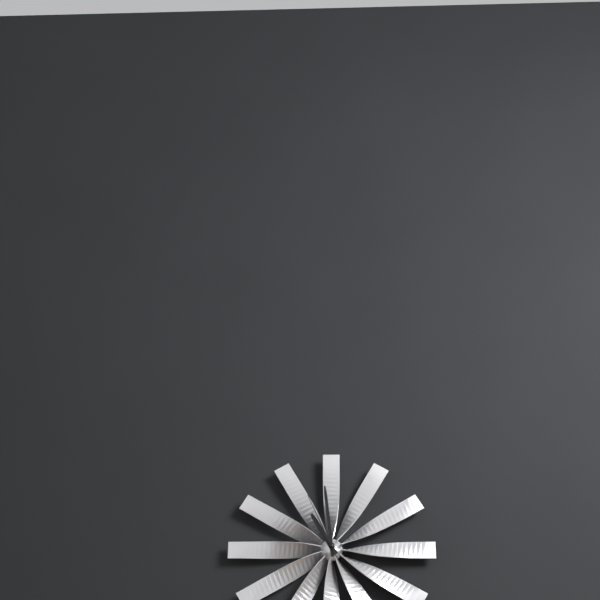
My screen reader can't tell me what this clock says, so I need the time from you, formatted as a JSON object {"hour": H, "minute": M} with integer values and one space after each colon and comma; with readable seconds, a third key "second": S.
{"hour": 10, "minute": 59, "second": 56}
